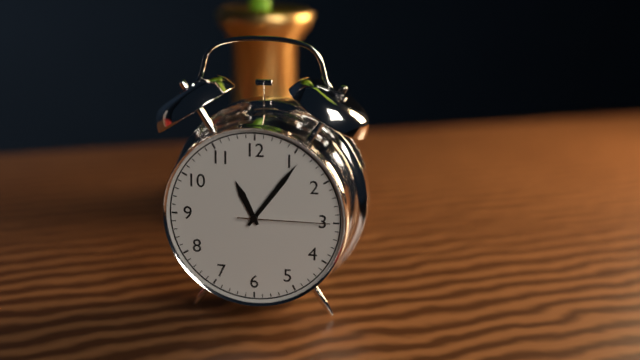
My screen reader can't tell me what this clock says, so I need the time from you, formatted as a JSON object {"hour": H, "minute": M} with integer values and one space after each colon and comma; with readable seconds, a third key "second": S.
{"hour": 11, "minute": 6, "second": 15}
